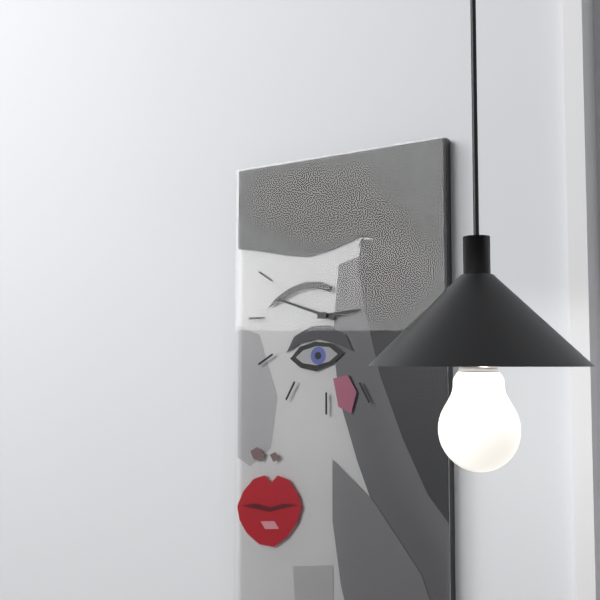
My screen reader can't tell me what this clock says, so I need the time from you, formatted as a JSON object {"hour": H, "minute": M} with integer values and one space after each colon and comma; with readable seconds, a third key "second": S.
{"hour": 2, "minute": 48}
